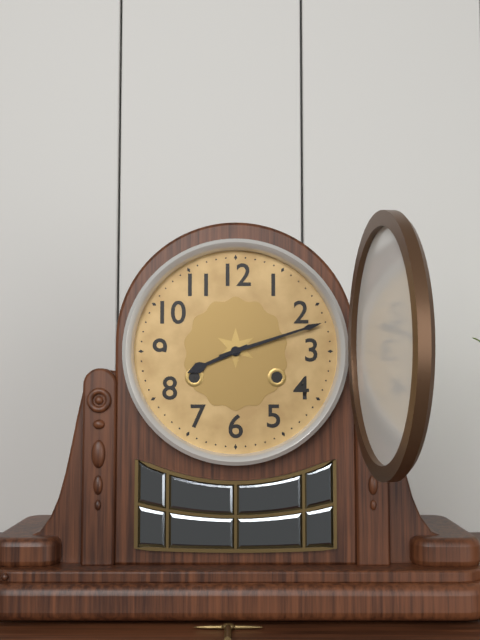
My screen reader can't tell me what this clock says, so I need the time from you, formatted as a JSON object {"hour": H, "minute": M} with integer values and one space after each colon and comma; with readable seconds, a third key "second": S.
{"hour": 8, "minute": 12}
